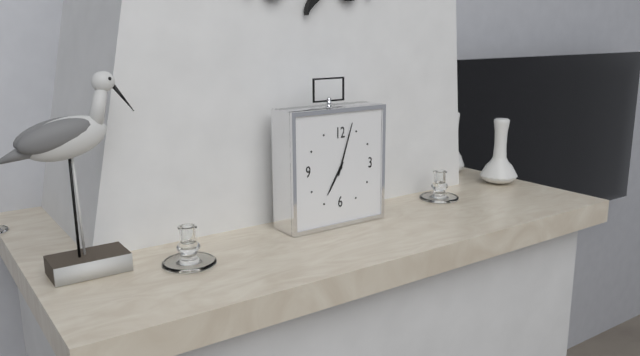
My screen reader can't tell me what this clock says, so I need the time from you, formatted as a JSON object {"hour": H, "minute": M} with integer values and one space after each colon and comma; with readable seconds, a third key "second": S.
{"hour": 7, "minute": 3}
